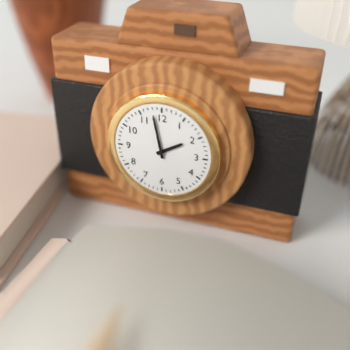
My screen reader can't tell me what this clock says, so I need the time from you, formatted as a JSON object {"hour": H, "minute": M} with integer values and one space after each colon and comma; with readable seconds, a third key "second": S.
{"hour": 1, "minute": 58}
